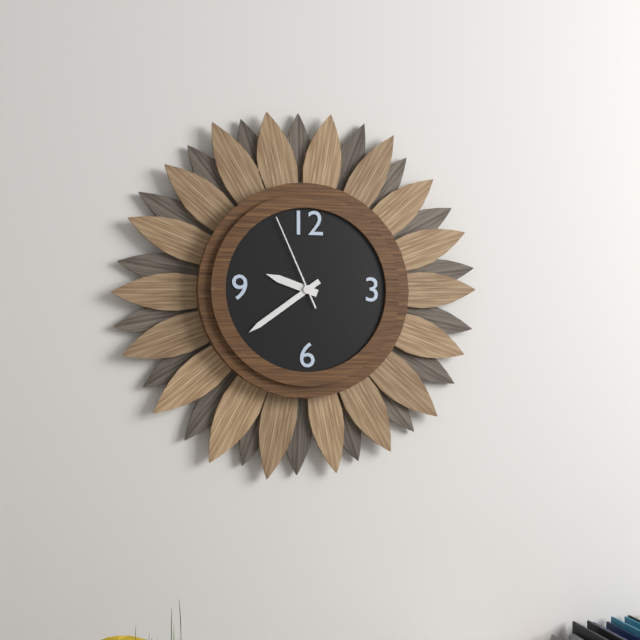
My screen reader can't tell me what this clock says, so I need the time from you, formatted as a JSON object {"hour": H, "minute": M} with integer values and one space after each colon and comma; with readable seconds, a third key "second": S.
{"hour": 9, "minute": 39, "second": 56}
